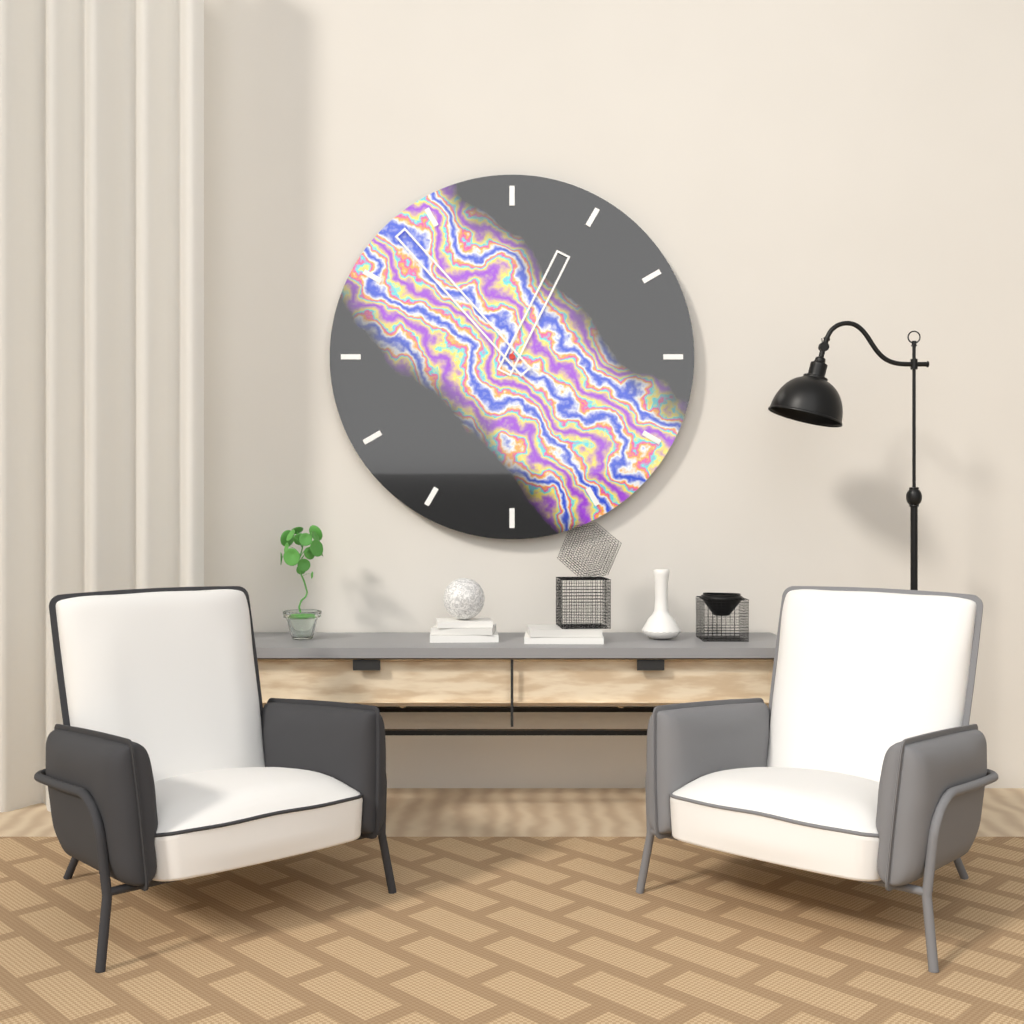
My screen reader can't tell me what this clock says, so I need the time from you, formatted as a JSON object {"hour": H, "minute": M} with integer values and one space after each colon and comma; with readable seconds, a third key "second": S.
{"hour": 12, "minute": 53}
